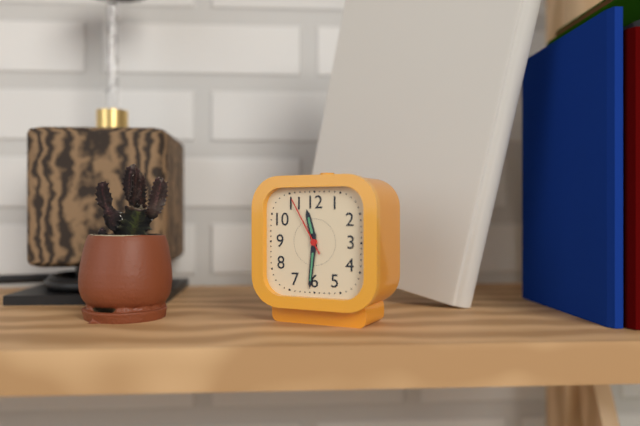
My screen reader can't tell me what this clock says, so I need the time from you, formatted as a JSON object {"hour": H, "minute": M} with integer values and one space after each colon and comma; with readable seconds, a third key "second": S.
{"hour": 11, "minute": 31, "second": 55}
